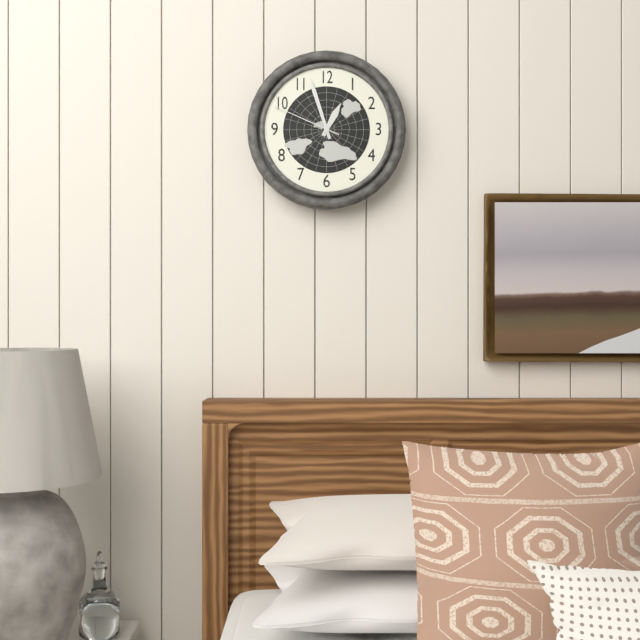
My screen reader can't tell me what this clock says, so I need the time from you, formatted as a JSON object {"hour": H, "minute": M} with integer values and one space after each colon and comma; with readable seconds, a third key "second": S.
{"hour": 12, "minute": 57, "second": 49}
